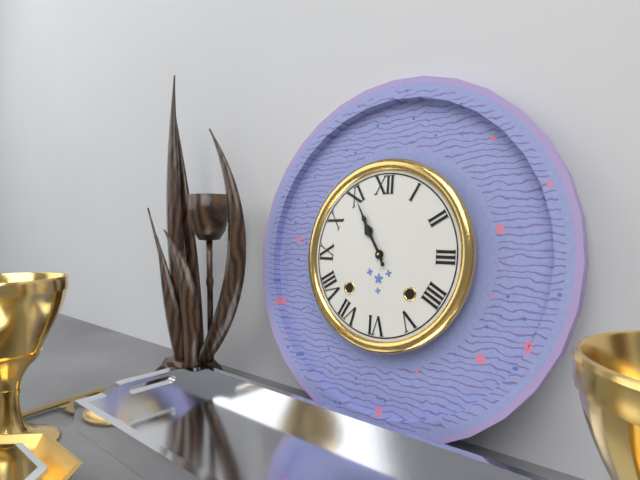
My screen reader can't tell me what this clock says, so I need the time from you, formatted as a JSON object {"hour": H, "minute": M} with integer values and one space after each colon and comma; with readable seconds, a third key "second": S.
{"hour": 10, "minute": 55}
